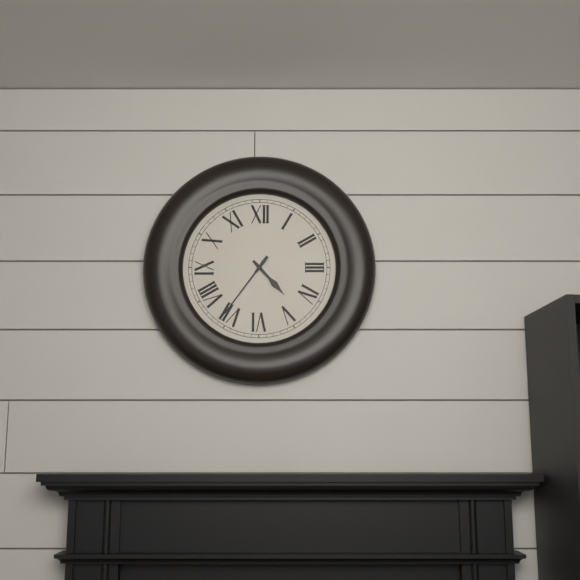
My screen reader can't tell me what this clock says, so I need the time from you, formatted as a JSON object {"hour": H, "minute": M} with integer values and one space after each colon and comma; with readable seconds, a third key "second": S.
{"hour": 4, "minute": 36}
